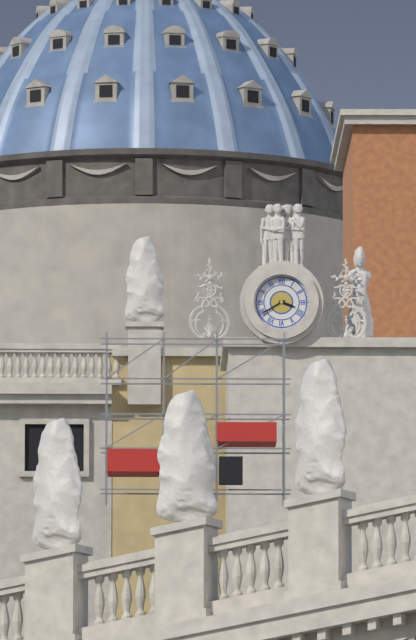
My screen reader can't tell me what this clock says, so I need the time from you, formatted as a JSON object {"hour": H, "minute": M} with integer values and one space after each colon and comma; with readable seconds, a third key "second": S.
{"hour": 3, "minute": 40}
